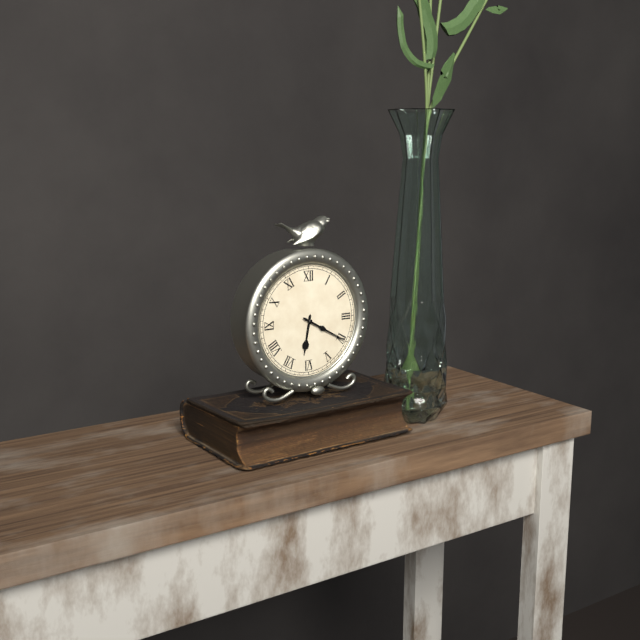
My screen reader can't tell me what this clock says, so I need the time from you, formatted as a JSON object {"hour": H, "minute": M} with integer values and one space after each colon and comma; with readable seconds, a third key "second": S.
{"hour": 6, "minute": 20}
